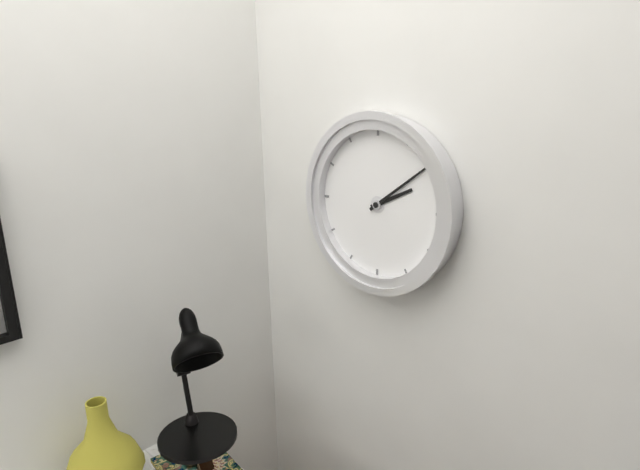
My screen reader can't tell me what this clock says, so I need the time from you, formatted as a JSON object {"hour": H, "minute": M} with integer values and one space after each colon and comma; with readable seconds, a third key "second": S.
{"hour": 2, "minute": 9}
